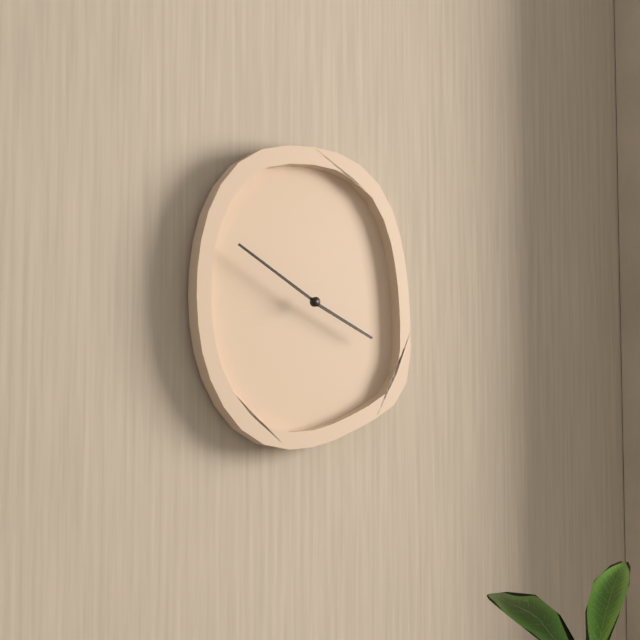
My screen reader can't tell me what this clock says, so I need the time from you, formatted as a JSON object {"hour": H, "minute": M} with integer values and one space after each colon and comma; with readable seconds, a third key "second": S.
{"hour": 3, "minute": 50}
